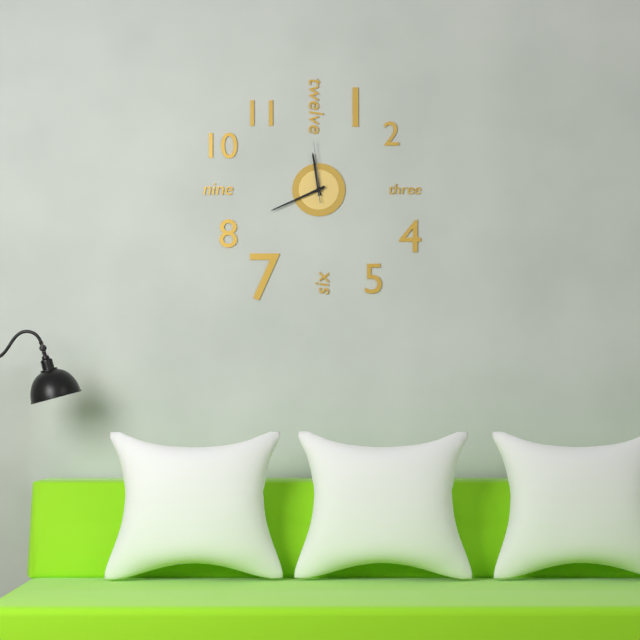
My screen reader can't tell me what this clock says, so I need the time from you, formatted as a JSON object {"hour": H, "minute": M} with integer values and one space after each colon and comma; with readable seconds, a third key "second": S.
{"hour": 11, "minute": 41, "second": 59}
